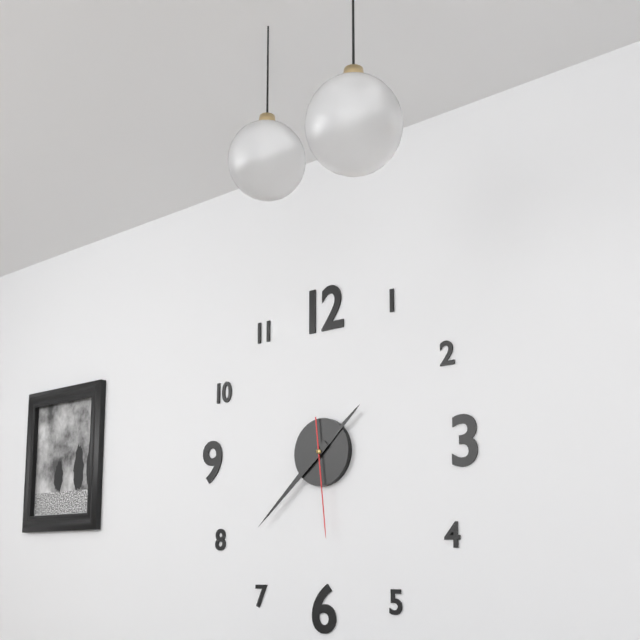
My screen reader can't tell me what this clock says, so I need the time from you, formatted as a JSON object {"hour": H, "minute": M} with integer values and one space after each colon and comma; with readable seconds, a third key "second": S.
{"hour": 1, "minute": 38, "second": 29}
